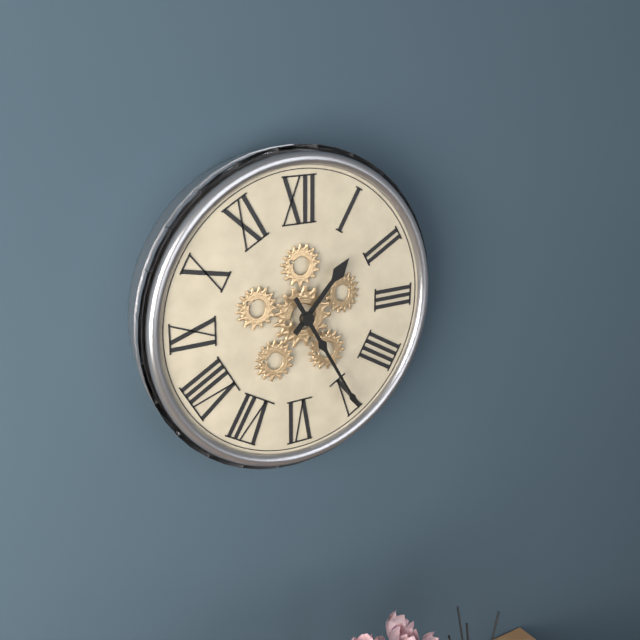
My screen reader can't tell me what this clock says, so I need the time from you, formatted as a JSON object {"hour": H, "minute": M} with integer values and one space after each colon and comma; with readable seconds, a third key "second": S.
{"hour": 1, "minute": 25}
